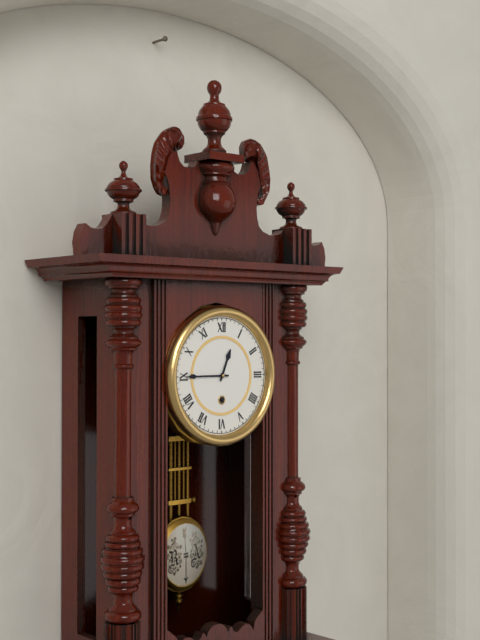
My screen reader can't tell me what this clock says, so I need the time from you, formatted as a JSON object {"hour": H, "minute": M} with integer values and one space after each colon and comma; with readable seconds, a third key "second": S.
{"hour": 12, "minute": 45}
